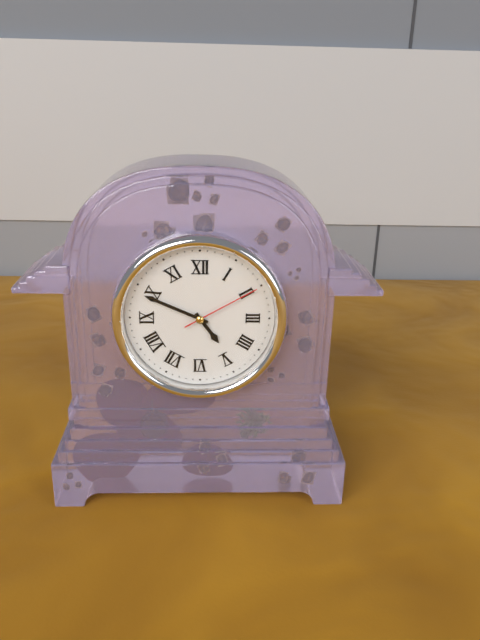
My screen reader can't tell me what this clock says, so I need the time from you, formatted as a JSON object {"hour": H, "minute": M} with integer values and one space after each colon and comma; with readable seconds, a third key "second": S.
{"hour": 4, "minute": 49, "second": 10}
